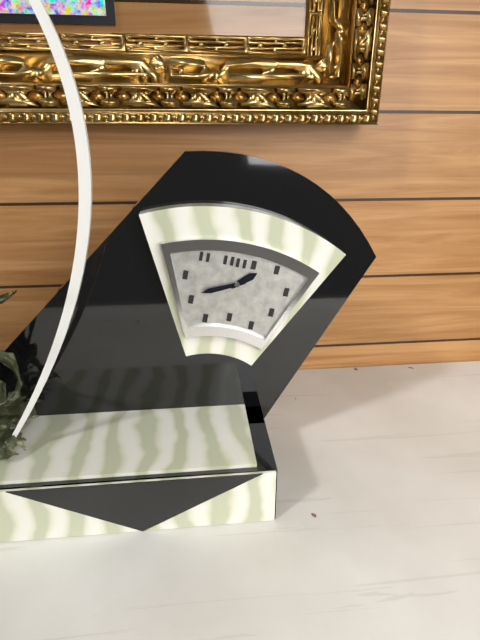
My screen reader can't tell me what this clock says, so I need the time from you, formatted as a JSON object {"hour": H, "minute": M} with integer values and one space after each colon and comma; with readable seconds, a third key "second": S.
{"hour": 1, "minute": 41}
